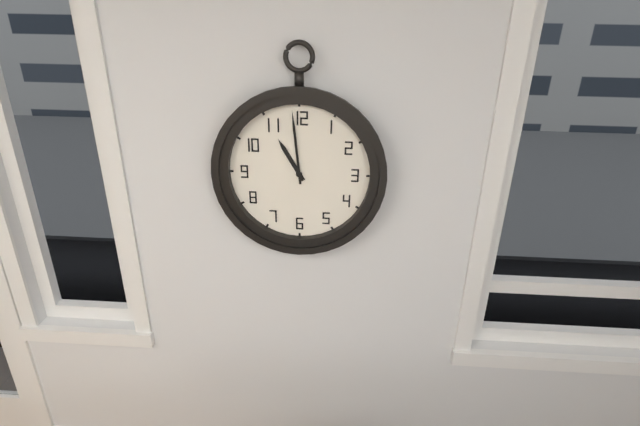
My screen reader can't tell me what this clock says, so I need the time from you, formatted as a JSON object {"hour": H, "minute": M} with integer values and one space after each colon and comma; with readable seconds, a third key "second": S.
{"hour": 10, "minute": 59}
